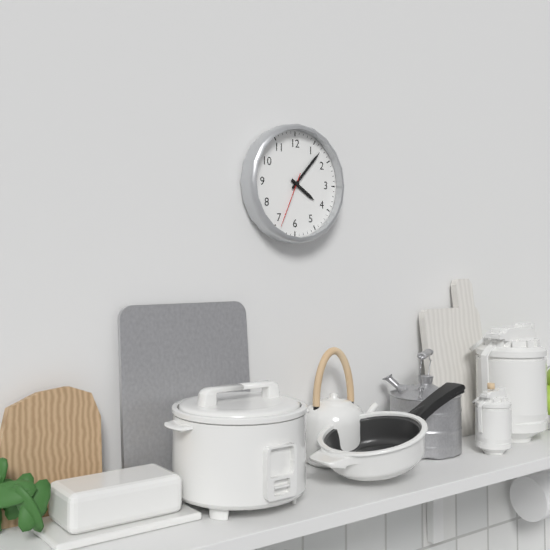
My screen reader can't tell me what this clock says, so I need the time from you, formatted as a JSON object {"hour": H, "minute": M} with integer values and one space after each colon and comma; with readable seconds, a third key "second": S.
{"hour": 4, "minute": 7, "second": 34}
